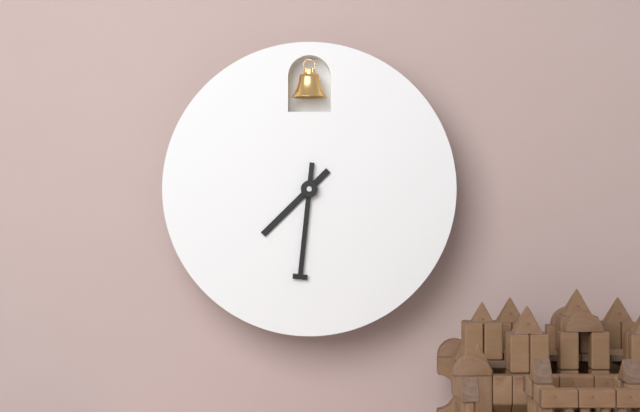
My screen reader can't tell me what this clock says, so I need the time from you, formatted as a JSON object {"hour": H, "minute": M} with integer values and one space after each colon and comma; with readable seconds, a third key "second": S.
{"hour": 7, "minute": 31}
